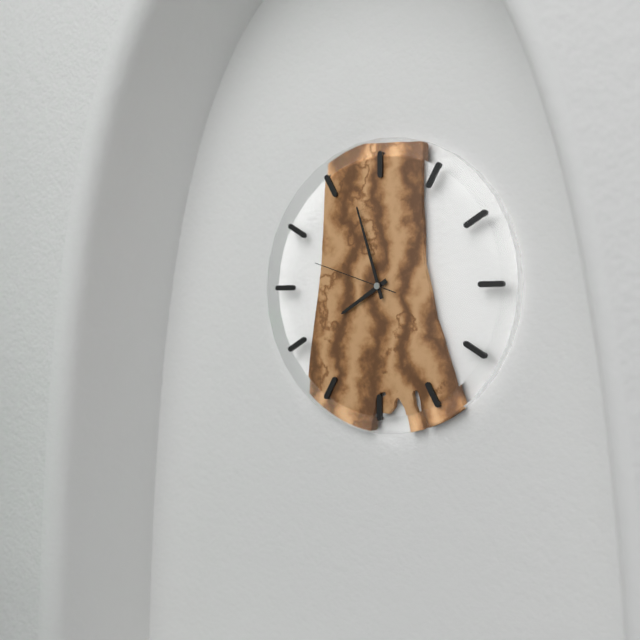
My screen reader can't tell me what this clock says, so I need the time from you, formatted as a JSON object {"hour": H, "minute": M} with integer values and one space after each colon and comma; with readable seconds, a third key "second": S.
{"hour": 7, "minute": 57, "second": 48}
